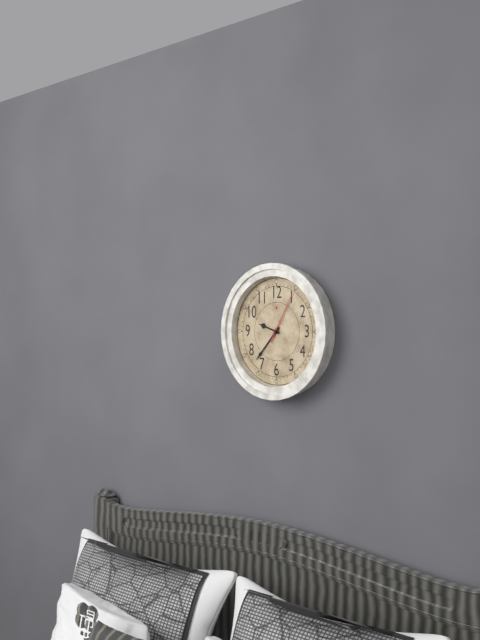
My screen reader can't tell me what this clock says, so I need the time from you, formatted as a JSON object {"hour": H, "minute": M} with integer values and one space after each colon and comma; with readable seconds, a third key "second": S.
{"hour": 9, "minute": 37, "second": 5}
